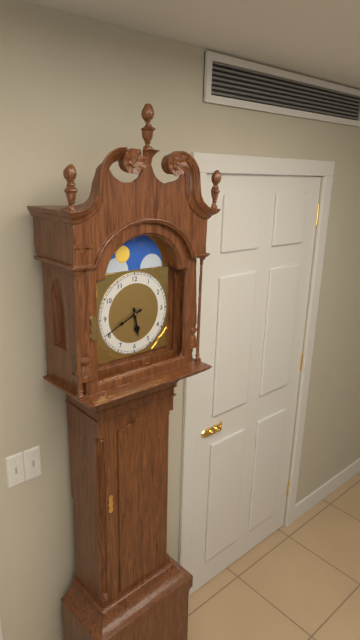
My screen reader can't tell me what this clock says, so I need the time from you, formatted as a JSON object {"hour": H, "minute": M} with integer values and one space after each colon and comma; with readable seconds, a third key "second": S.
{"hour": 5, "minute": 41}
